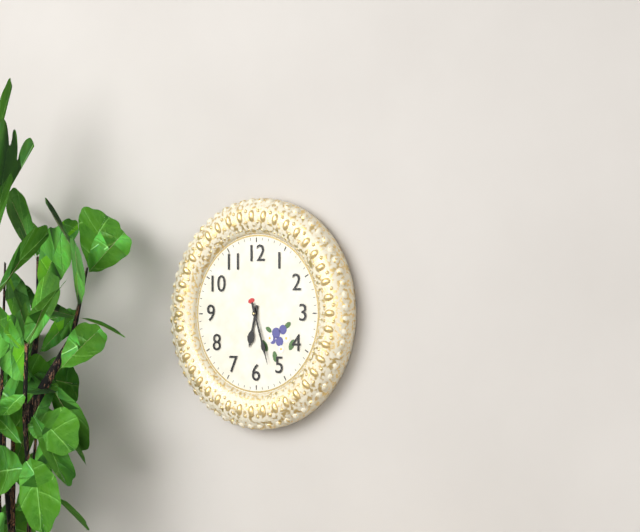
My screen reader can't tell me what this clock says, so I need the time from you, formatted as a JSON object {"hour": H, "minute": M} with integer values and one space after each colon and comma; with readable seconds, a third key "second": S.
{"hour": 6, "minute": 27}
